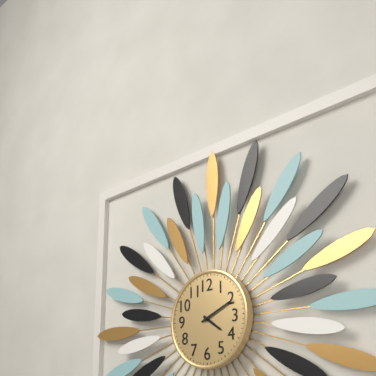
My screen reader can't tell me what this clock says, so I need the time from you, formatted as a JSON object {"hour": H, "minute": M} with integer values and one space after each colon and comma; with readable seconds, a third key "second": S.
{"hour": 4, "minute": 11}
